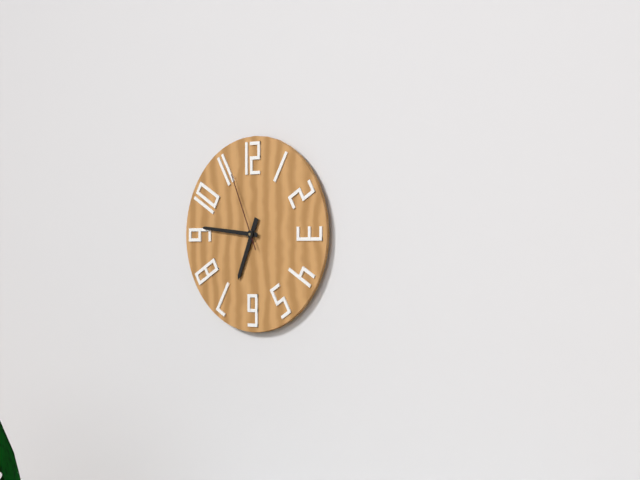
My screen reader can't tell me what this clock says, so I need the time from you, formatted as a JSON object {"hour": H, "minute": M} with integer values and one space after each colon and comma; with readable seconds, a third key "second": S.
{"hour": 6, "minute": 46, "second": 56}
